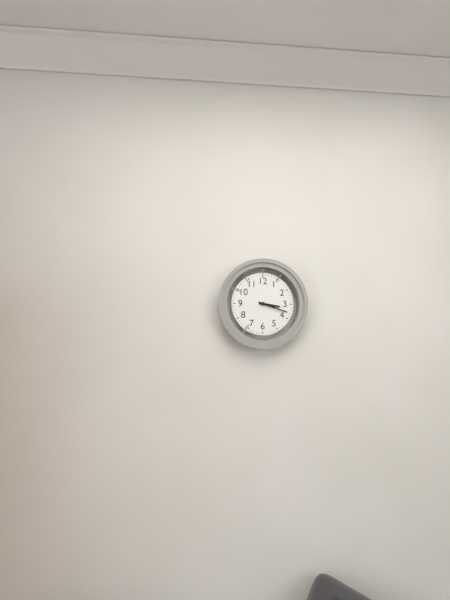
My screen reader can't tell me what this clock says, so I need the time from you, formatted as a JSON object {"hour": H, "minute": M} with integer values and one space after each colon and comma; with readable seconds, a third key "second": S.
{"hour": 3, "minute": 18}
